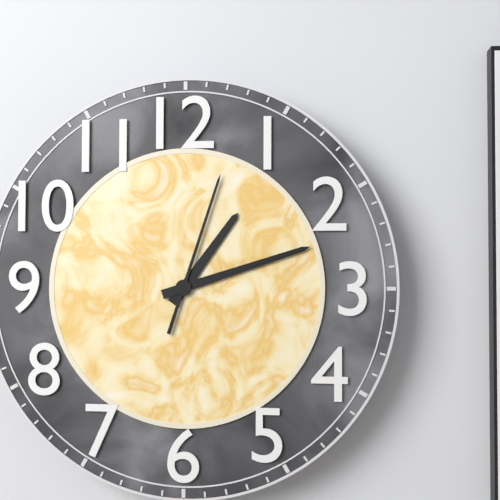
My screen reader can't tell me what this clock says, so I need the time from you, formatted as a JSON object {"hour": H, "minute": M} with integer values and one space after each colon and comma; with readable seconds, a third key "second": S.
{"hour": 1, "minute": 12, "second": 3}
